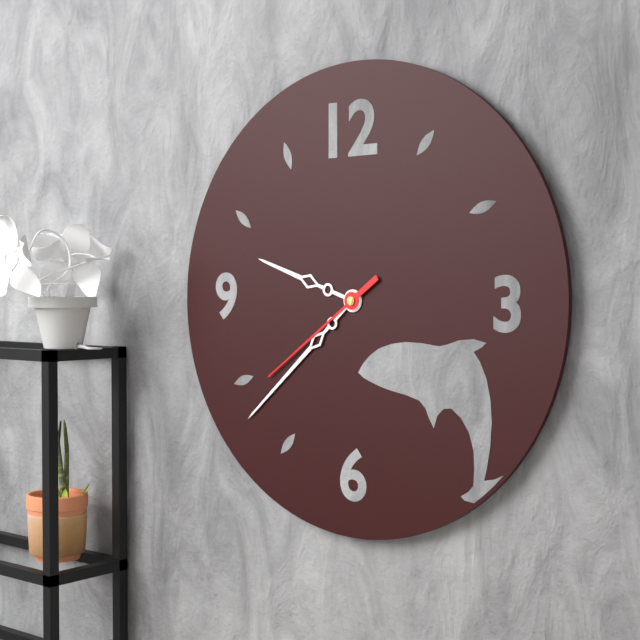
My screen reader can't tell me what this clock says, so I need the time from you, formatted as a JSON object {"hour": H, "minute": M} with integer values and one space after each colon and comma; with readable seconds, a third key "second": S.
{"hour": 9, "minute": 38, "second": 39}
